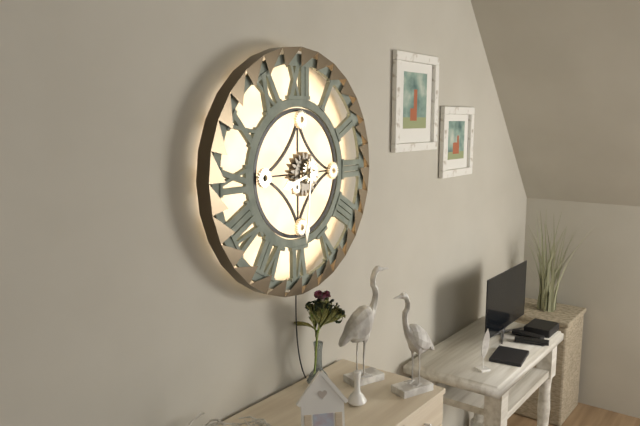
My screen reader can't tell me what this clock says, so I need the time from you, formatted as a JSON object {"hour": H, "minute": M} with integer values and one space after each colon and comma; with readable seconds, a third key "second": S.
{"hour": 8, "minute": 31}
